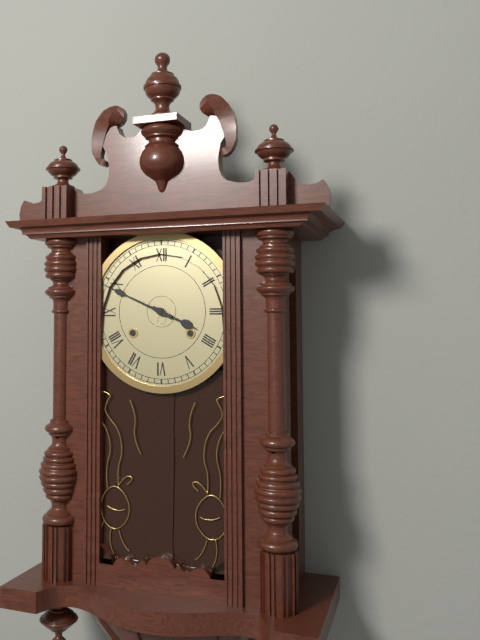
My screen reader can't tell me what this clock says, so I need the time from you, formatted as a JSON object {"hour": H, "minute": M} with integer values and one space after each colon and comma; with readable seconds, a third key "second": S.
{"hour": 3, "minute": 49}
